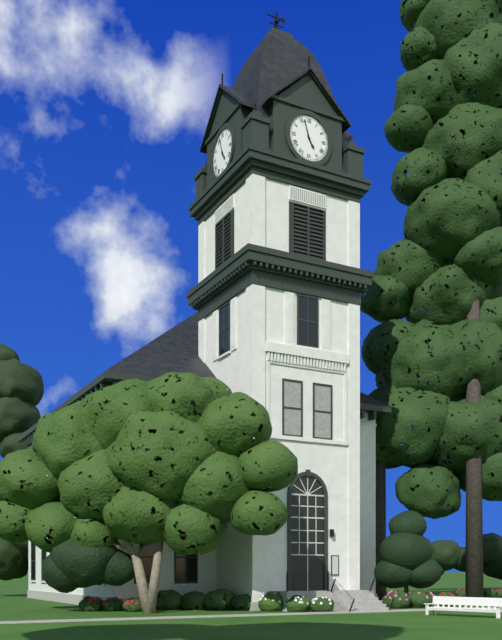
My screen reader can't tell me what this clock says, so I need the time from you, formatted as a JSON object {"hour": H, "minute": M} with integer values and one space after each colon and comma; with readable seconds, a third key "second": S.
{"hour": 4, "minute": 57}
